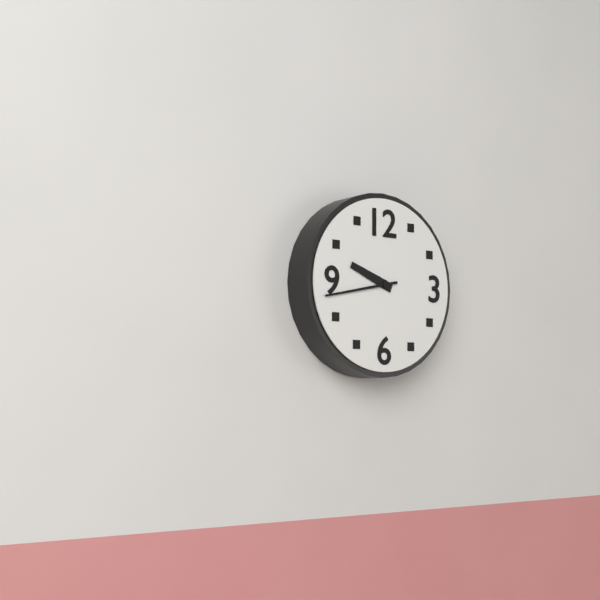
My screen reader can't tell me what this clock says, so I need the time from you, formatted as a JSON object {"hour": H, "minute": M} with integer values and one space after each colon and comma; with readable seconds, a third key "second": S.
{"hour": 9, "minute": 43}
